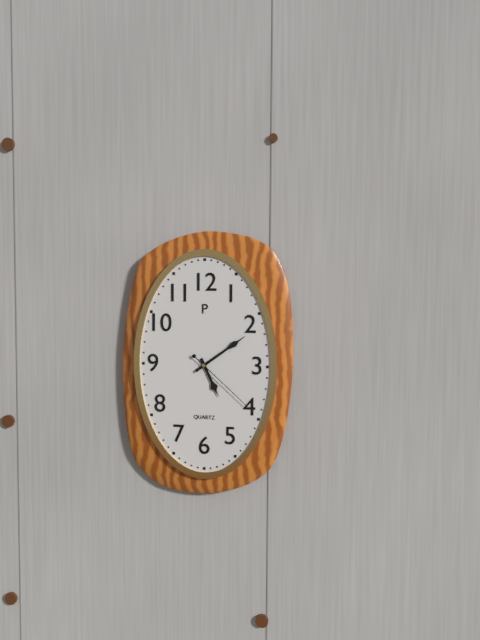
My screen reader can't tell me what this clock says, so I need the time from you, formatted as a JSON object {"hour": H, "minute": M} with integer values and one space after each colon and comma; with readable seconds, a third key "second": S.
{"hour": 5, "minute": 9, "second": 22}
